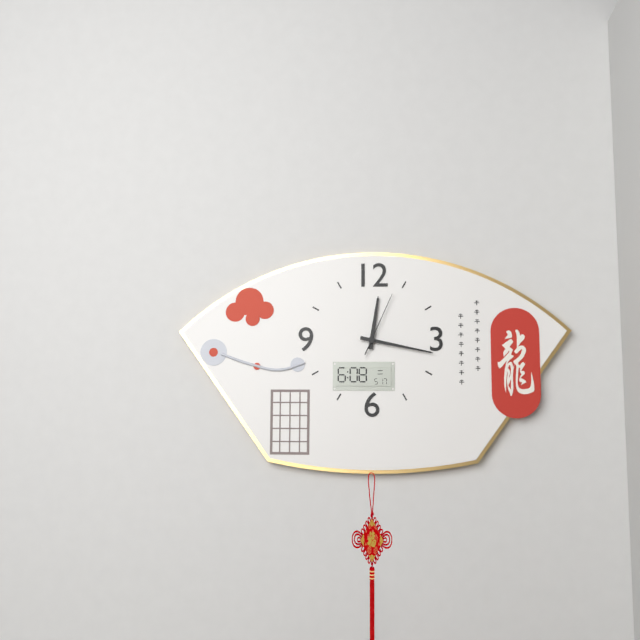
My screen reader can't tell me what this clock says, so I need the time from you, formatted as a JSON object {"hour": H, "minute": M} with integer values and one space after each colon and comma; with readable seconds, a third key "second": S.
{"hour": 12, "minute": 17, "second": 4}
